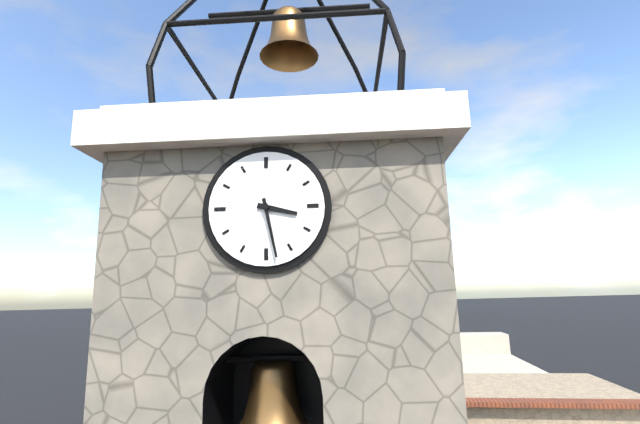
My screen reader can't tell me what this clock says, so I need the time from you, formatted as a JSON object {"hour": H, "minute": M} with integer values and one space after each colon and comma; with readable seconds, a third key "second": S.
{"hour": 3, "minute": 28}
